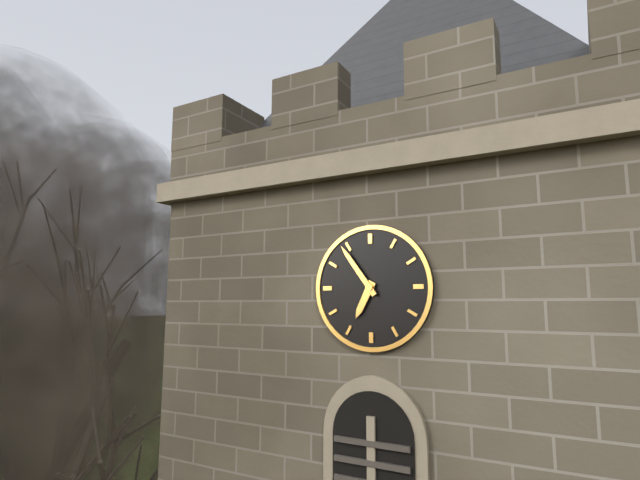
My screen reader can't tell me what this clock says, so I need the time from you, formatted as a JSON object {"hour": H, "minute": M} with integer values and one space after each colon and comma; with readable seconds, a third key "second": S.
{"hour": 6, "minute": 54}
